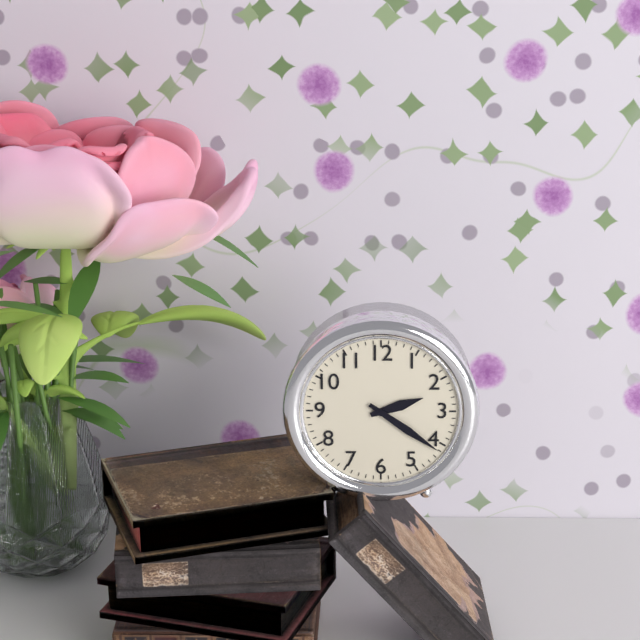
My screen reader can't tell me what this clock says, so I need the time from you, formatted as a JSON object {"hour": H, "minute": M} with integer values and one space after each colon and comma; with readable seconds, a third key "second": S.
{"hour": 2, "minute": 21}
